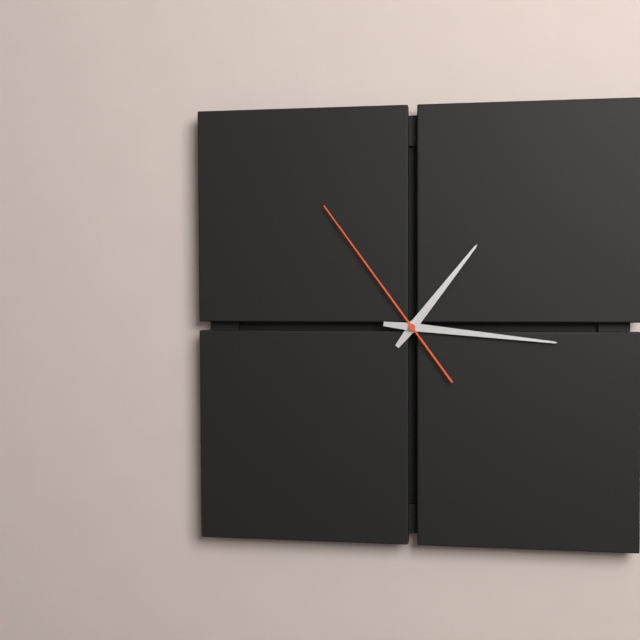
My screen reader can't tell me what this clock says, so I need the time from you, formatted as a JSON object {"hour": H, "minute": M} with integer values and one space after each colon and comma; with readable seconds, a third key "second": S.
{"hour": 1, "minute": 16, "second": 54}
